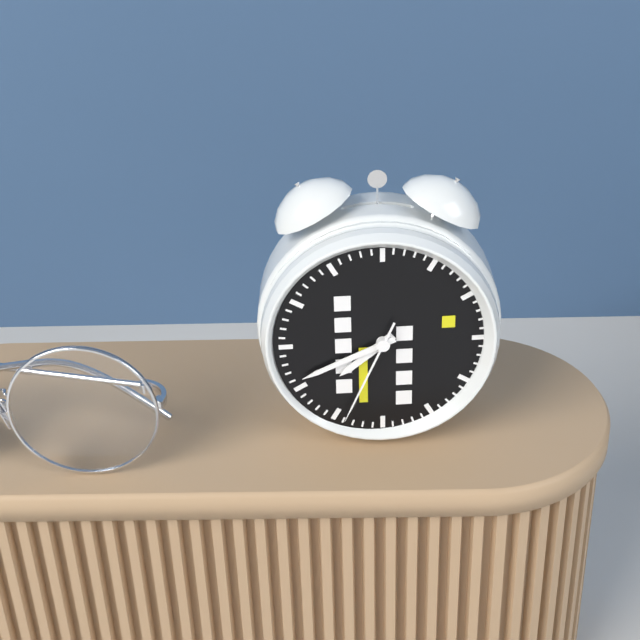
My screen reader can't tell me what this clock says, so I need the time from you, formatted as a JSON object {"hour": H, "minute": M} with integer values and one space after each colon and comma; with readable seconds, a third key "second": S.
{"hour": 7, "minute": 41, "second": 34}
